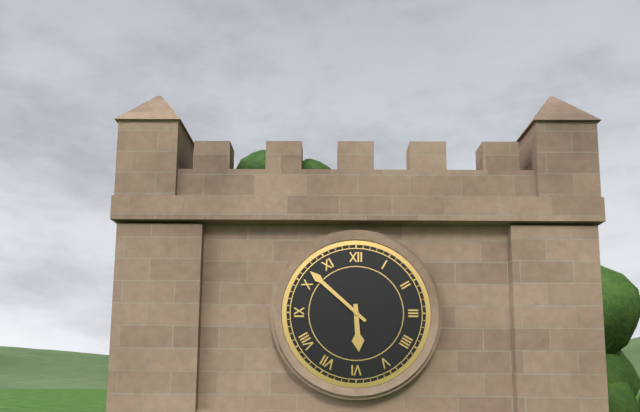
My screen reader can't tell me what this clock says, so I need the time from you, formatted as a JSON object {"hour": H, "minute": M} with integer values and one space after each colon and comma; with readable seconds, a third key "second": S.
{"hour": 5, "minute": 52}
